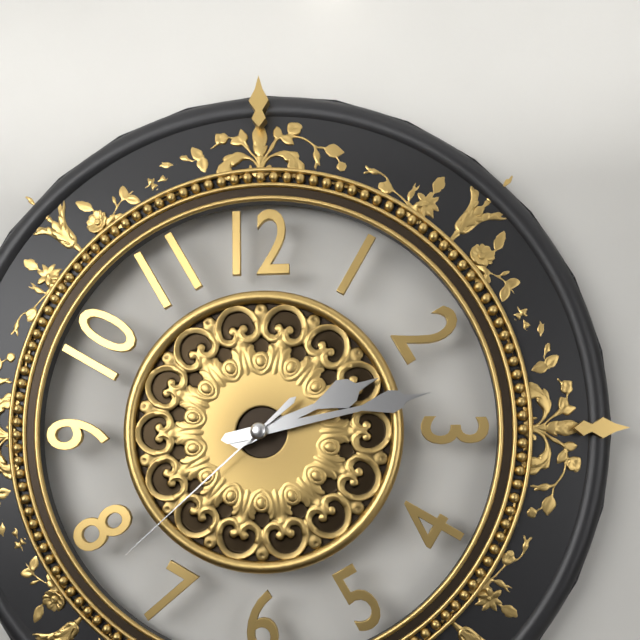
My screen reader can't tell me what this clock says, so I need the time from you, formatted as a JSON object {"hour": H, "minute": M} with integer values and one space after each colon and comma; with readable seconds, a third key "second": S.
{"hour": 2, "minute": 13, "second": 38}
